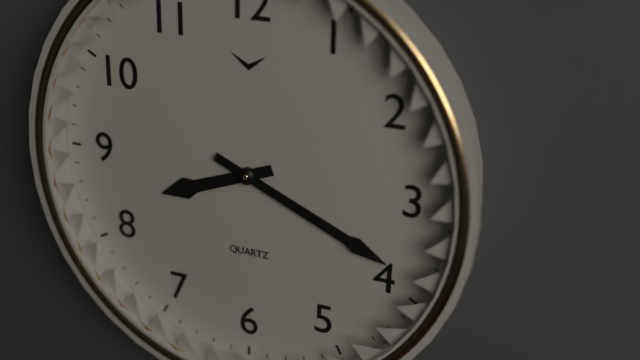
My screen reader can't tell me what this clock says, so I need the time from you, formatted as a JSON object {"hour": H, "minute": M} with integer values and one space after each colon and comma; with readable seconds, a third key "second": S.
{"hour": 8, "minute": 19}
